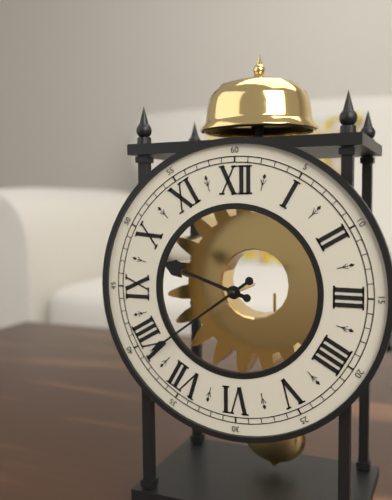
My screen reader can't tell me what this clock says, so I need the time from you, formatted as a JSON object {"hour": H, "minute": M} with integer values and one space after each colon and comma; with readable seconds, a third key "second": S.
{"hour": 9, "minute": 39}
